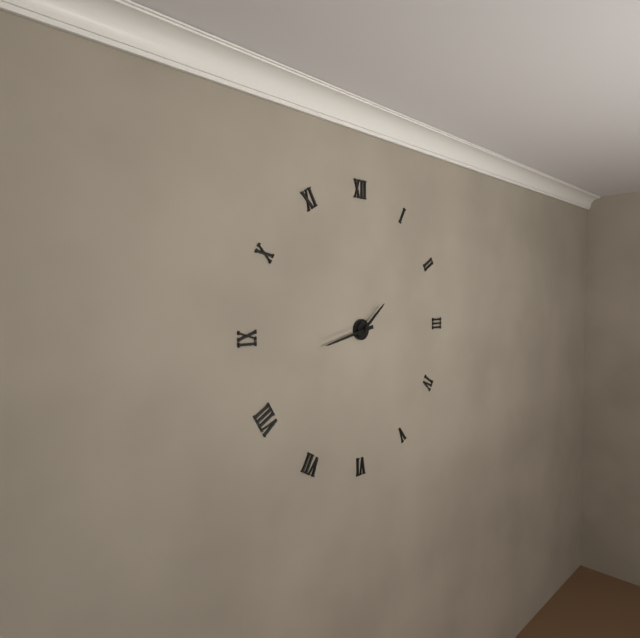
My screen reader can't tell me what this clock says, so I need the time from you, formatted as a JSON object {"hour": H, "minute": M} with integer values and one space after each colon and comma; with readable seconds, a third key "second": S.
{"hour": 1, "minute": 43}
